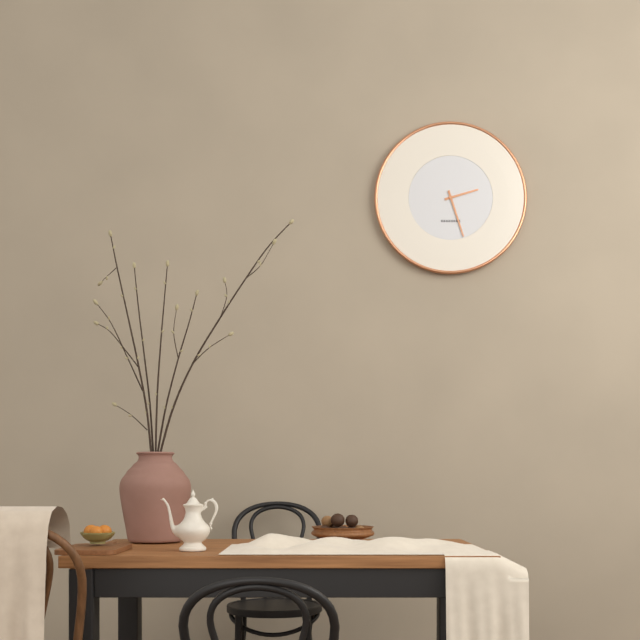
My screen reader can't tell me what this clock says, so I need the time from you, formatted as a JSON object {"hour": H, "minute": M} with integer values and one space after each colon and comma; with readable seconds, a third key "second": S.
{"hour": 2, "minute": 27}
